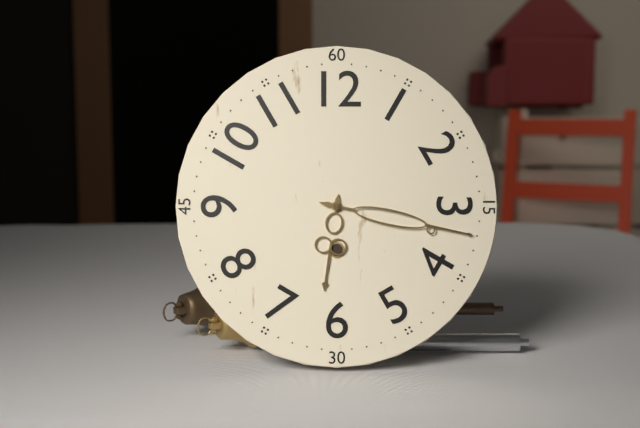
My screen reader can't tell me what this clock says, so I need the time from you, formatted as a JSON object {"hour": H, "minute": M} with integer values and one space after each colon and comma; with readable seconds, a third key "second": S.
{"hour": 6, "minute": 17}
